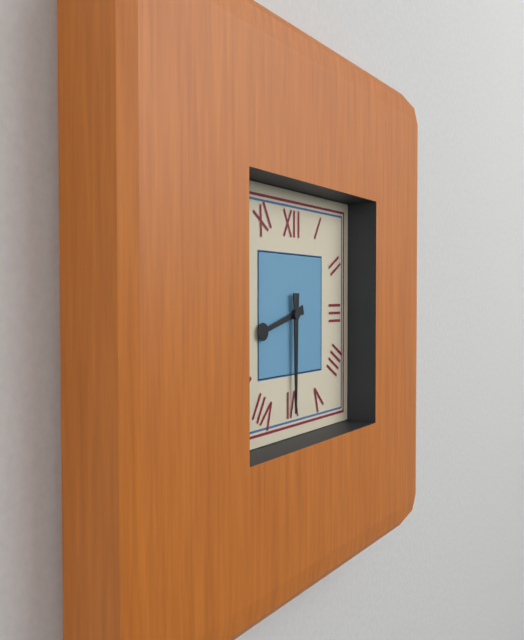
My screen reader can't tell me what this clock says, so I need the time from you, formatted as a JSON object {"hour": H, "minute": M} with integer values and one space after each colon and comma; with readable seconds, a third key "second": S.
{"hour": 8, "minute": 30}
